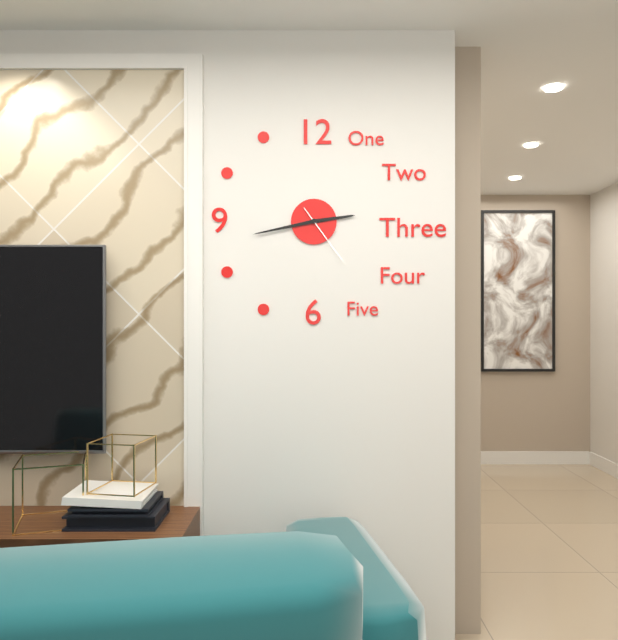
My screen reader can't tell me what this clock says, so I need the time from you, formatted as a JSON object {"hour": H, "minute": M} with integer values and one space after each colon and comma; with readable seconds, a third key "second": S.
{"hour": 2, "minute": 43, "second": 24}
